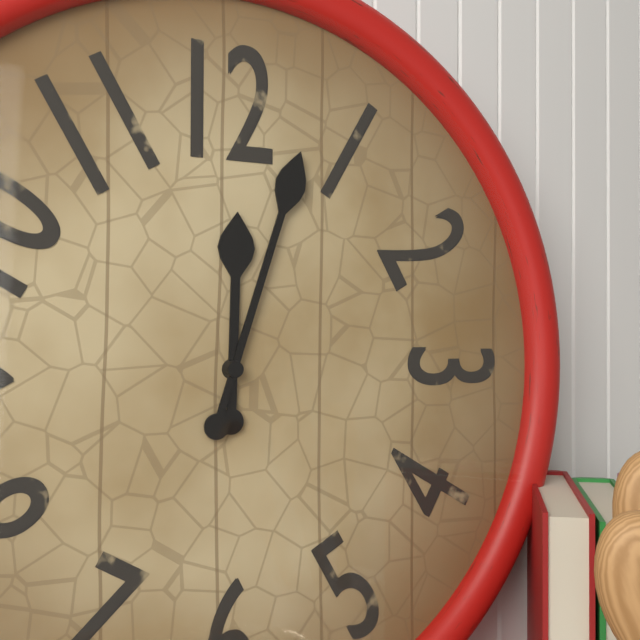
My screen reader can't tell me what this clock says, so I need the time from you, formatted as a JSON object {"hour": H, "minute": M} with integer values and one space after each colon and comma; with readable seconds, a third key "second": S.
{"hour": 12, "minute": 3}
